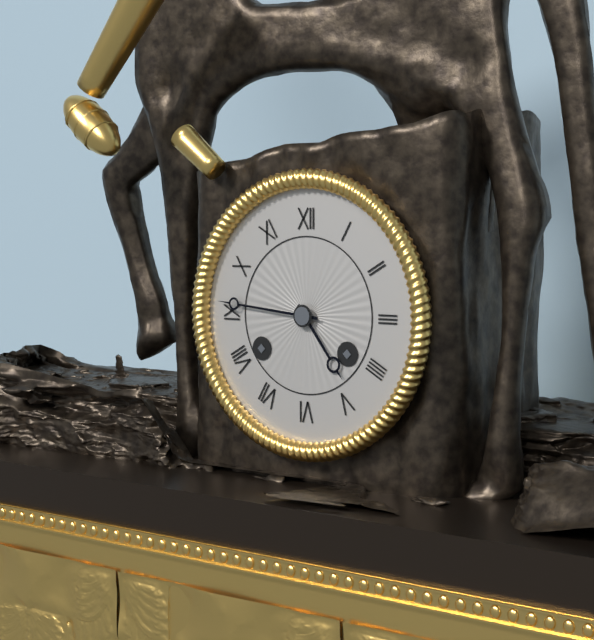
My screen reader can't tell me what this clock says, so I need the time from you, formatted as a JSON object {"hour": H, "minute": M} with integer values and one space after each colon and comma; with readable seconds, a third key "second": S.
{"hour": 4, "minute": 46}
